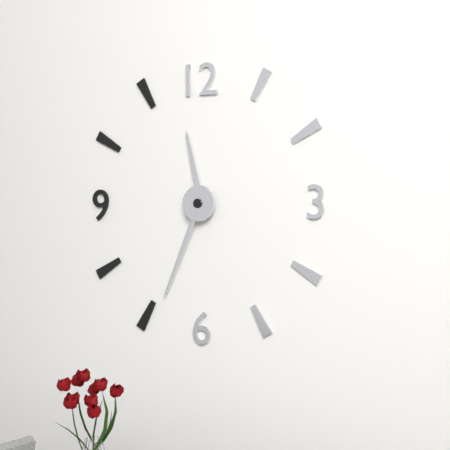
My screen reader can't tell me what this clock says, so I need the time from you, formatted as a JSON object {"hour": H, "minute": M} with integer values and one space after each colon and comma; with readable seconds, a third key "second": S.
{"hour": 11, "minute": 34}
